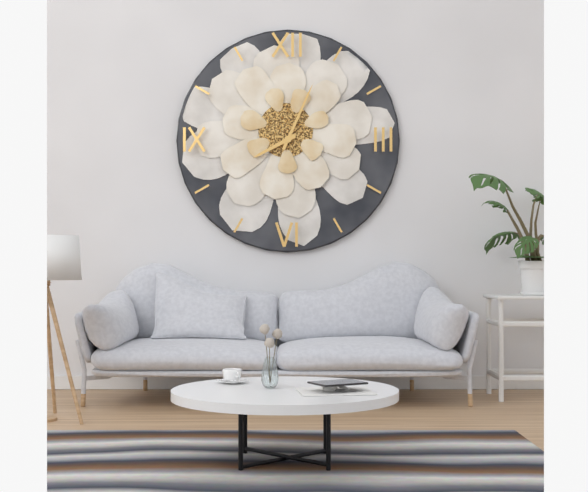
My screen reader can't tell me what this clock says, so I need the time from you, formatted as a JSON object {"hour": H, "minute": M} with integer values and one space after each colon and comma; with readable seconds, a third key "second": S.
{"hour": 8, "minute": 4}
